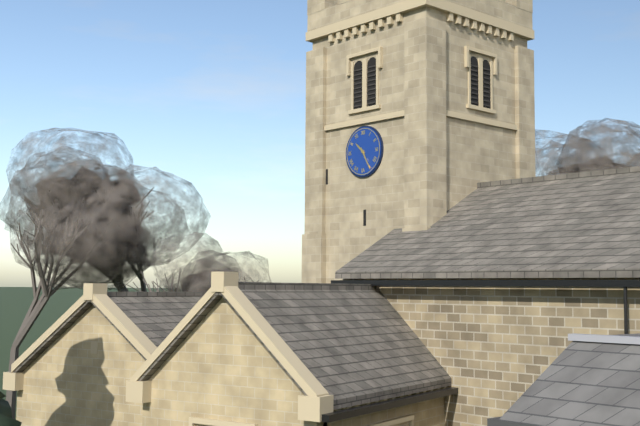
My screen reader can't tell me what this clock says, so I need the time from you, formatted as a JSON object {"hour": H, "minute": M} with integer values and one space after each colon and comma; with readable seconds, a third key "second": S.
{"hour": 10, "minute": 25}
